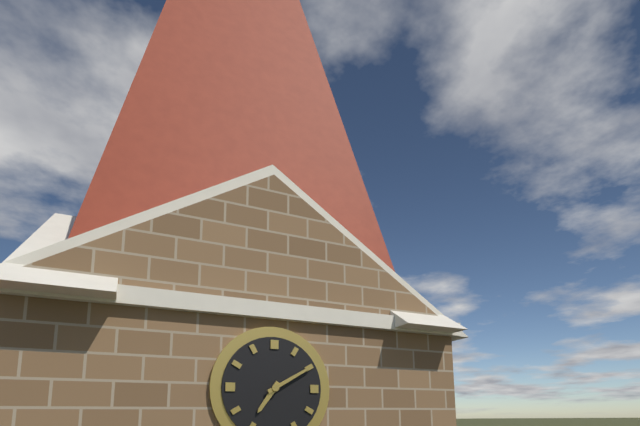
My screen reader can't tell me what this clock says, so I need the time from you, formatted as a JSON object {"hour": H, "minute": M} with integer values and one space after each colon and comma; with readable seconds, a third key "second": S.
{"hour": 7, "minute": 10}
